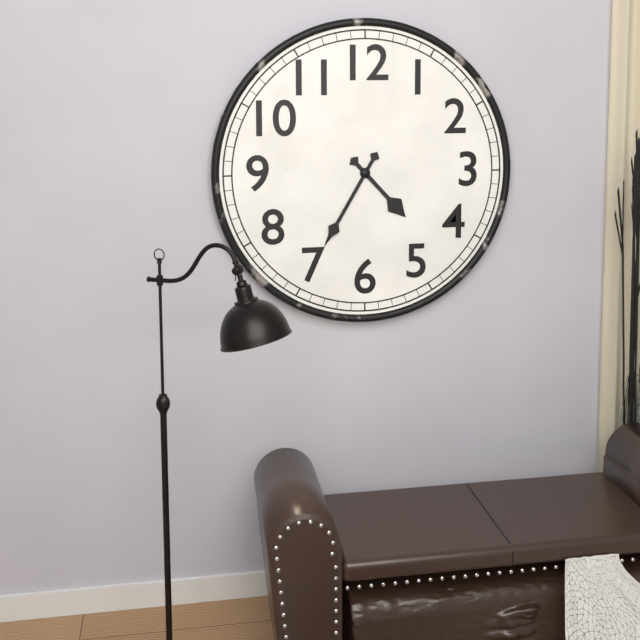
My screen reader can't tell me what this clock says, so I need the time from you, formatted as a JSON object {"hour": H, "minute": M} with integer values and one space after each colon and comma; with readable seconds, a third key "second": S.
{"hour": 4, "minute": 35}
